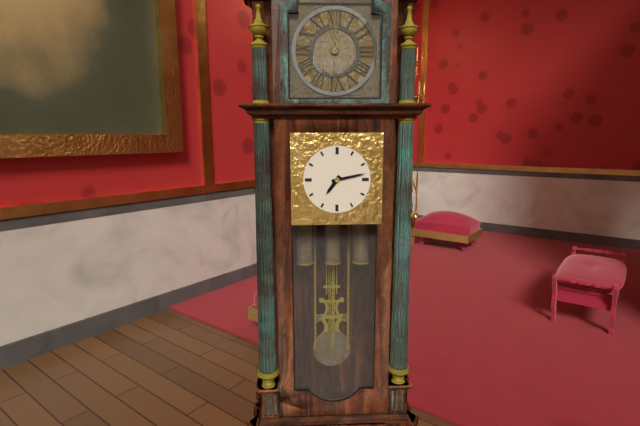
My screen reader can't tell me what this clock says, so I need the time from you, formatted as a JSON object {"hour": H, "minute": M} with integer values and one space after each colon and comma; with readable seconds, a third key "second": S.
{"hour": 7, "minute": 13}
